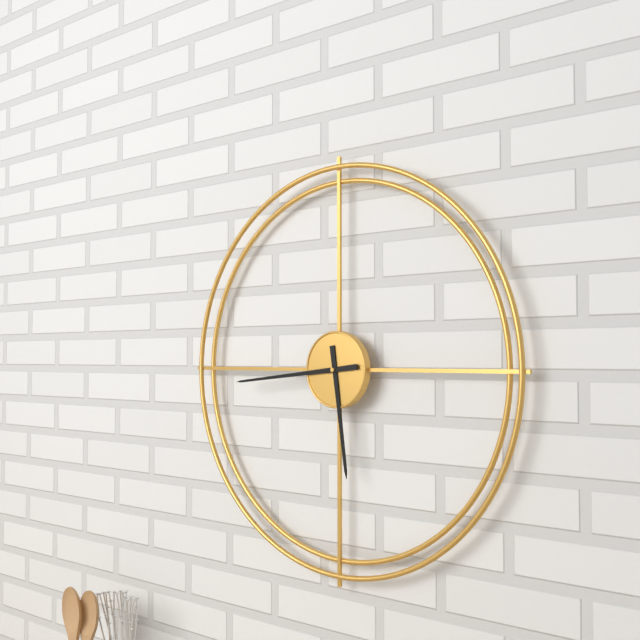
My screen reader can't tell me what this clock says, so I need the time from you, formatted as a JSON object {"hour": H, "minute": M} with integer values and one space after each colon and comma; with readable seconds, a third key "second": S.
{"hour": 5, "minute": 44}
